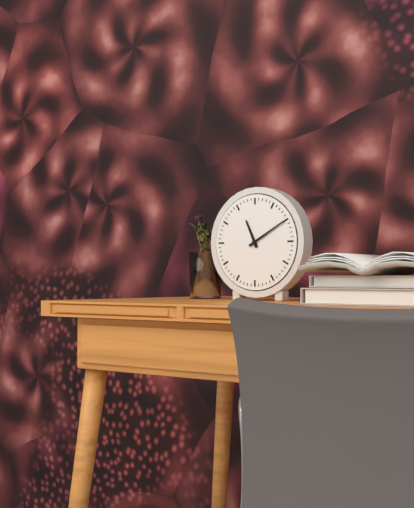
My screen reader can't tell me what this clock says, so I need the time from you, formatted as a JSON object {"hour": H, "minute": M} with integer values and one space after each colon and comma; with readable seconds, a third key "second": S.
{"hour": 11, "minute": 10}
